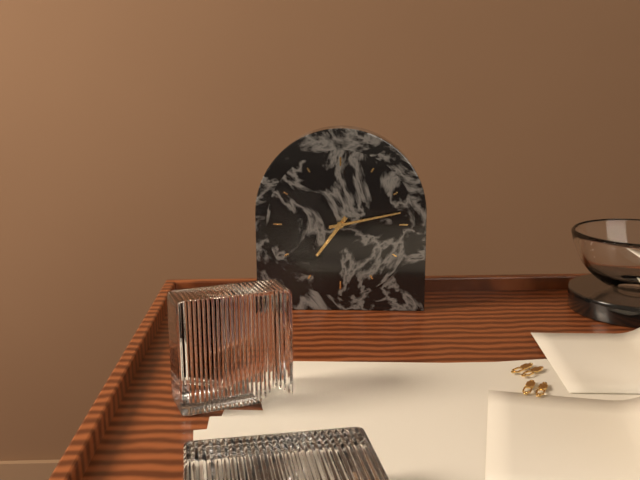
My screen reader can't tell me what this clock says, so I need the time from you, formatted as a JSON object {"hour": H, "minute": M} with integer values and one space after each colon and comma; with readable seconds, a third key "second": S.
{"hour": 7, "minute": 13}
